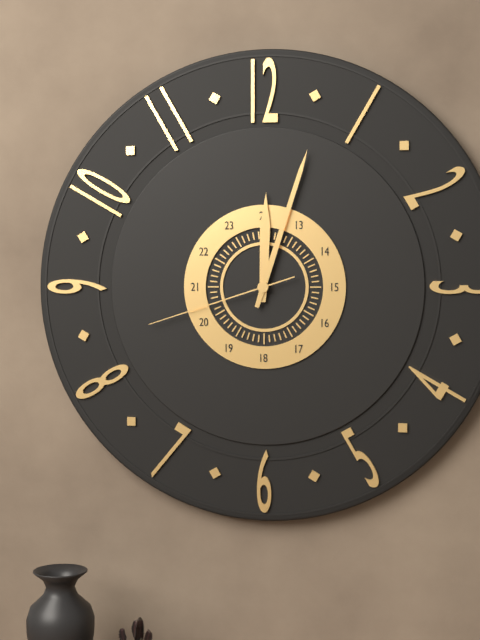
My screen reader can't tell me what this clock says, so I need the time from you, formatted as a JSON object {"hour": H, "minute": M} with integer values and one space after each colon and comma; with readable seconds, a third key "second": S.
{"hour": 12, "minute": 3, "second": 42}
